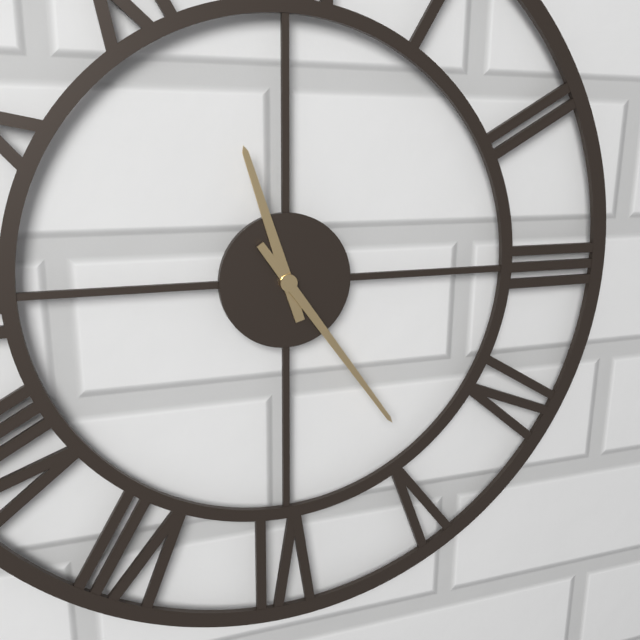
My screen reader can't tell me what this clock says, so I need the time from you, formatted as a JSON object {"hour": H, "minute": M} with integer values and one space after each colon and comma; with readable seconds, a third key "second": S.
{"hour": 11, "minute": 24}
